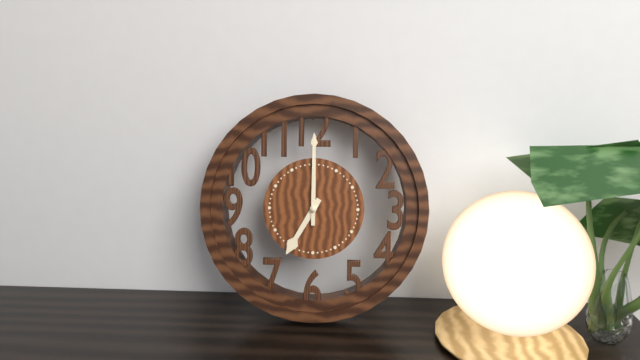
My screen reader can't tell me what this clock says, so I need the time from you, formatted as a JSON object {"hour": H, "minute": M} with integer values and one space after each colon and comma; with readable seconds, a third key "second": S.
{"hour": 7, "minute": 0}
